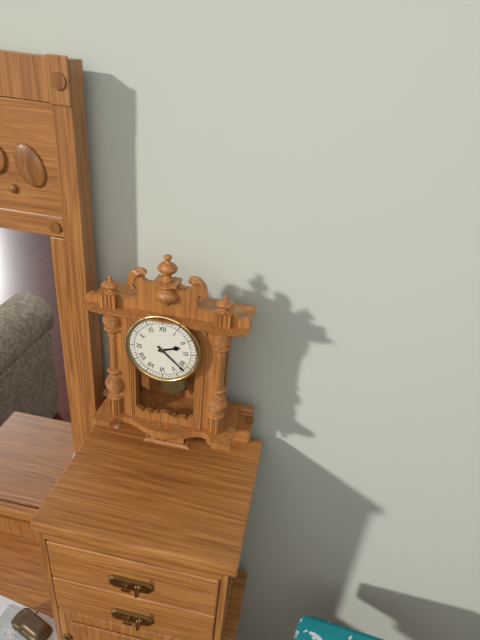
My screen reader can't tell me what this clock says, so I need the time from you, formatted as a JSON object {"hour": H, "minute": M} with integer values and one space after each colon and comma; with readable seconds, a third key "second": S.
{"hour": 2, "minute": 22}
